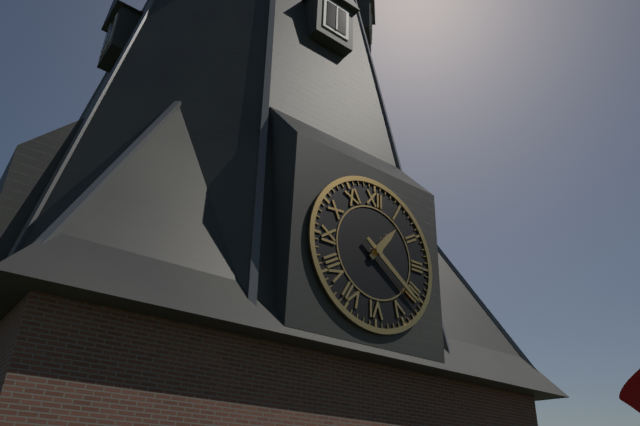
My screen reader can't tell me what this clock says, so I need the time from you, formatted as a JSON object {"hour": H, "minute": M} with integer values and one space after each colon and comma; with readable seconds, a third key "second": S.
{"hour": 1, "minute": 21}
